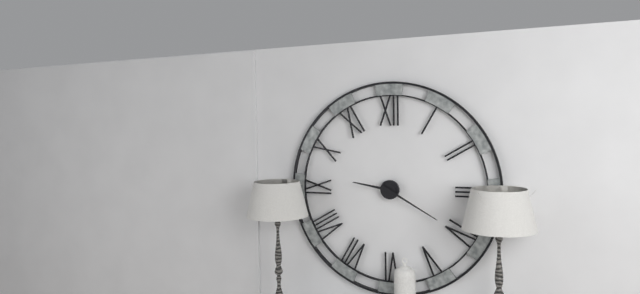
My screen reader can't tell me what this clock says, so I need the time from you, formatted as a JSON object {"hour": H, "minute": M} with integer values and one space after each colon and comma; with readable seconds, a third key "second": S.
{"hour": 9, "minute": 20}
